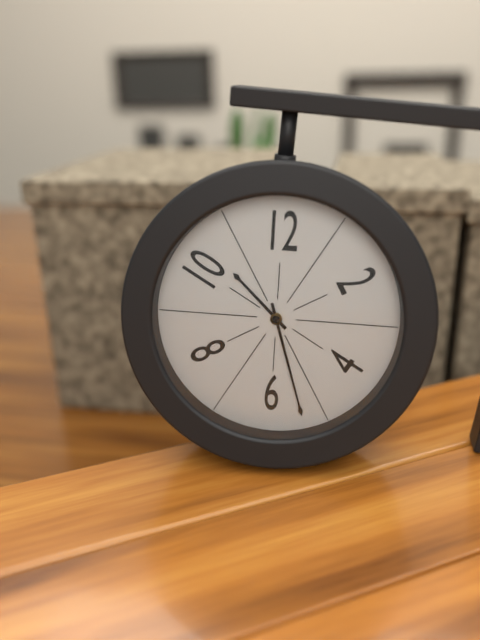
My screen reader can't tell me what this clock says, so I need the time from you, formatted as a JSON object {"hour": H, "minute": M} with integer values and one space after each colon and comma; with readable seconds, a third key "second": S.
{"hour": 10, "minute": 27}
